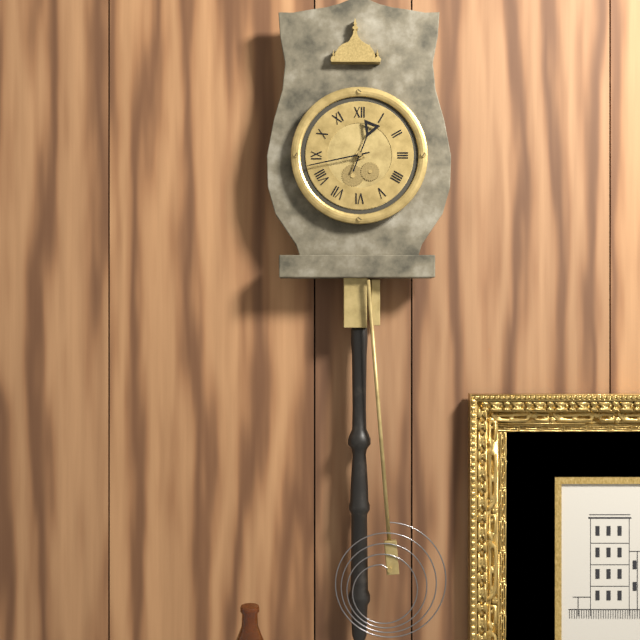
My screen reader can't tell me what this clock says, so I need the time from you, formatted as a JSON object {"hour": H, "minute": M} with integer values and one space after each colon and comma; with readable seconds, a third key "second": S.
{"hour": 12, "minute": 43}
